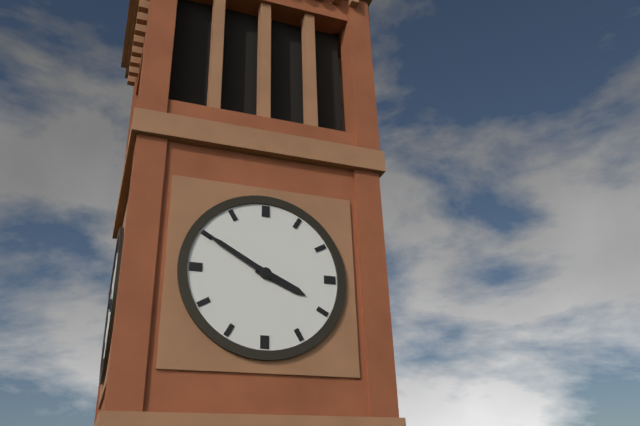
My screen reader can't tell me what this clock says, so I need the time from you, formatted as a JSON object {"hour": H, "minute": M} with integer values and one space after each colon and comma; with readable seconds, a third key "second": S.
{"hour": 3, "minute": 50}
